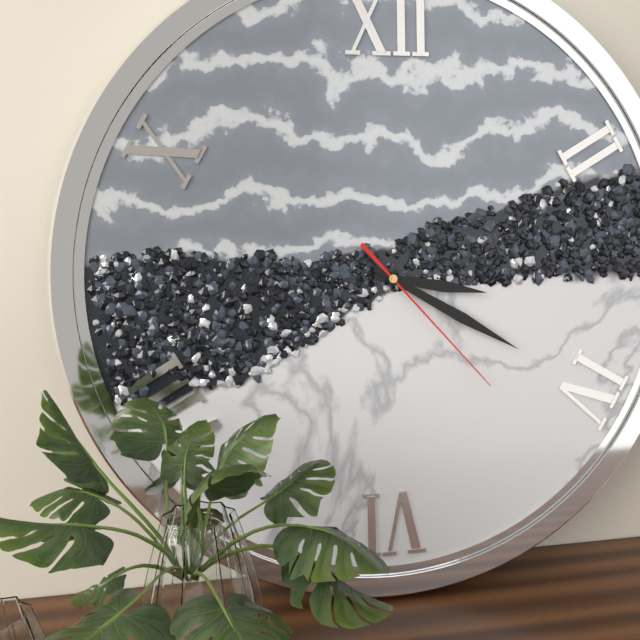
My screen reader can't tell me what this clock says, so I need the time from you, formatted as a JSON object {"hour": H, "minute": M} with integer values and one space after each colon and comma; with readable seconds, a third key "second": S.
{"hour": 3, "minute": 20, "second": 23}
